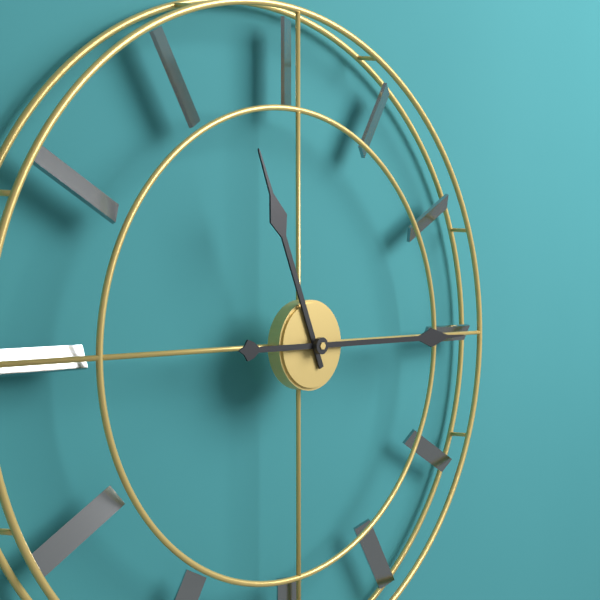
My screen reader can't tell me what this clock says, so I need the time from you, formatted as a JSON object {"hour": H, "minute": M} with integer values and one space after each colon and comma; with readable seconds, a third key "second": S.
{"hour": 11, "minute": 15}
